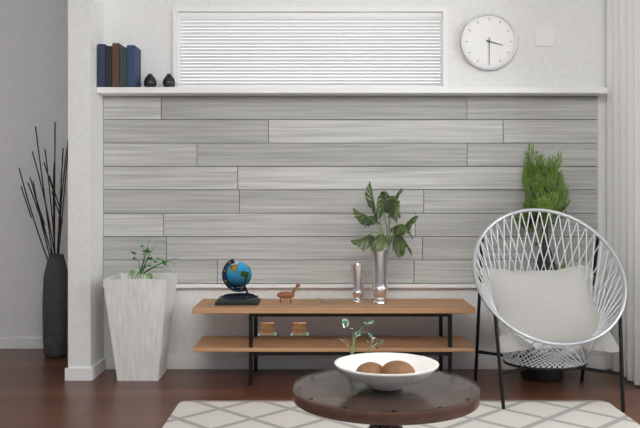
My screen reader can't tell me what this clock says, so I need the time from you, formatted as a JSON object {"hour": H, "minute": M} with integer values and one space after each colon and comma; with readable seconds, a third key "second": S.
{"hour": 3, "minute": 30}
